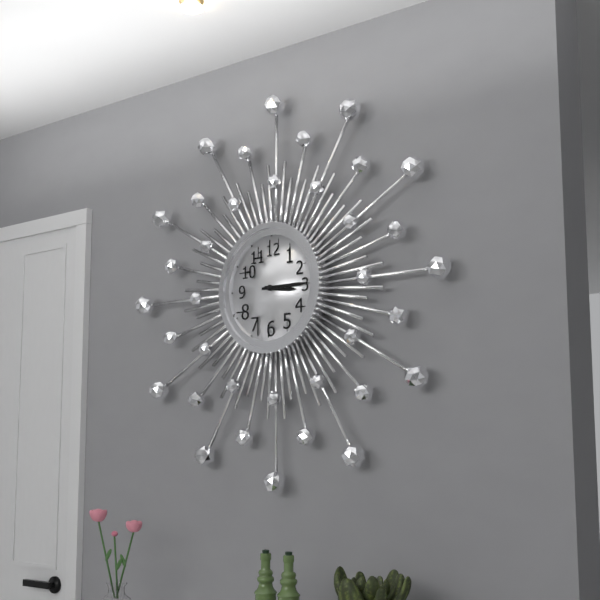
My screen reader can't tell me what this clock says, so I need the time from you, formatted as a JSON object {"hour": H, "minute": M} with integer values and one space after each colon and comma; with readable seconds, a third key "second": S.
{"hour": 3, "minute": 15}
